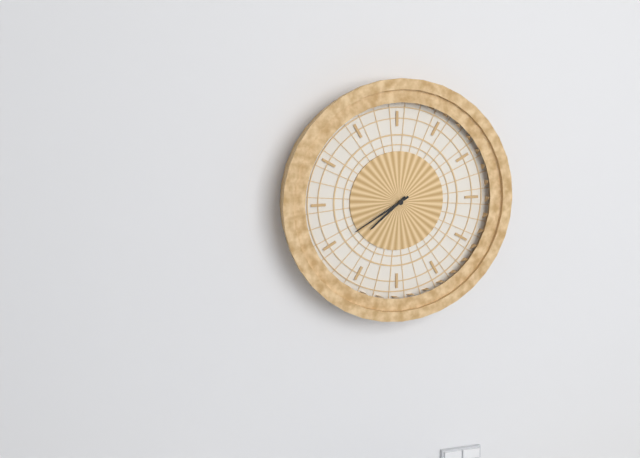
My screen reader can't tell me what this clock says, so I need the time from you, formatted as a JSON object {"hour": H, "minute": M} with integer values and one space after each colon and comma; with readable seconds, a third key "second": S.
{"hour": 7, "minute": 40}
